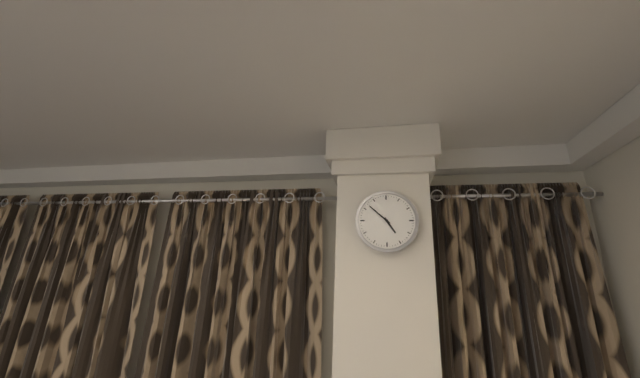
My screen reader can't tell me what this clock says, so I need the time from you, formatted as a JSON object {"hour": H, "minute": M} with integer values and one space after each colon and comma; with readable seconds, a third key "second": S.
{"hour": 4, "minute": 52}
